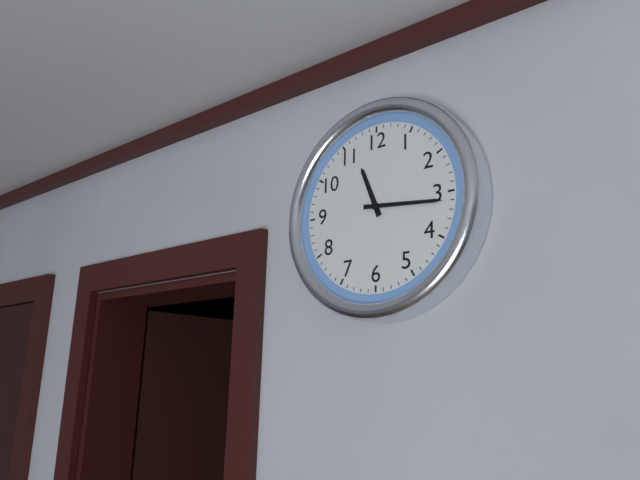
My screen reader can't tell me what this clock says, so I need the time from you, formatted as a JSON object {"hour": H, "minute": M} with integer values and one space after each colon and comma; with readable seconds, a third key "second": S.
{"hour": 11, "minute": 16}
